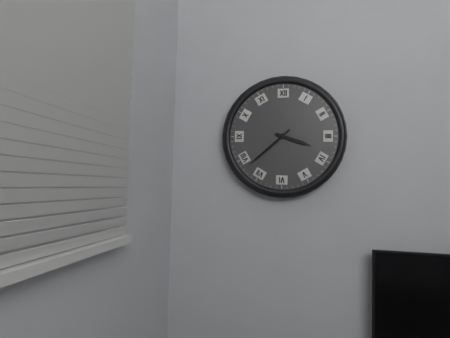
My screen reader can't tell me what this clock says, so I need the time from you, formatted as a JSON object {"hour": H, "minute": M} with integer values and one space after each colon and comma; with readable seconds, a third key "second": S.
{"hour": 3, "minute": 38}
